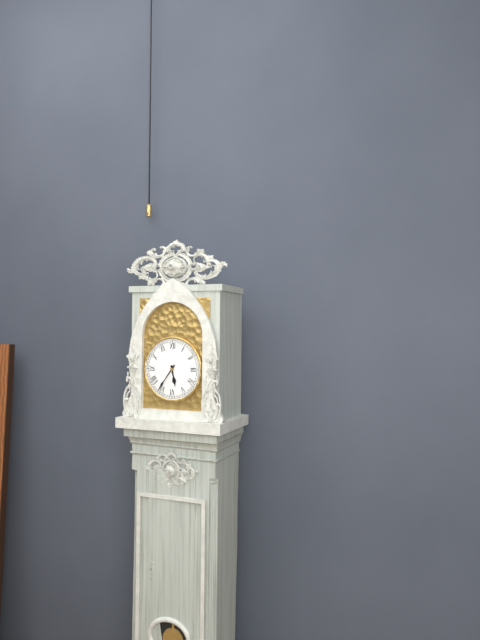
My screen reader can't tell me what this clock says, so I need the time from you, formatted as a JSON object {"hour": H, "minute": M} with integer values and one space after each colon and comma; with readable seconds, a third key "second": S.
{"hour": 5, "minute": 36}
